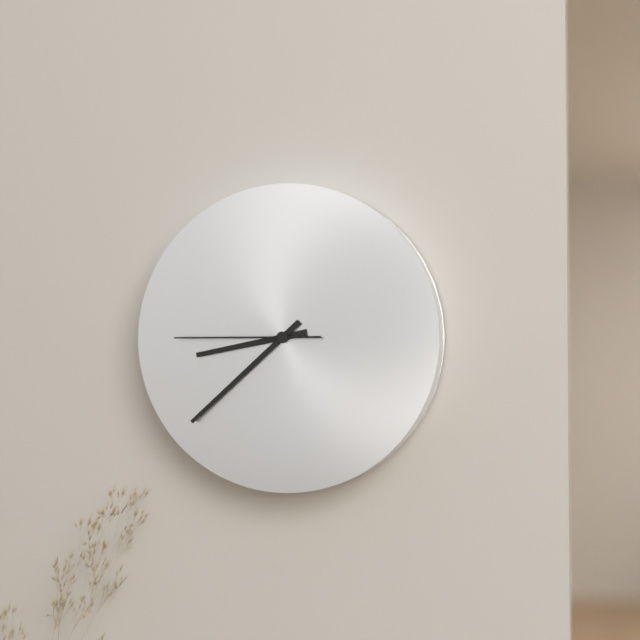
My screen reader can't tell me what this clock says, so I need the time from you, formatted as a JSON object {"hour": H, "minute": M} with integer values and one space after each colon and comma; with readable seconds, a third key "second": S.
{"hour": 8, "minute": 38, "second": 45}
